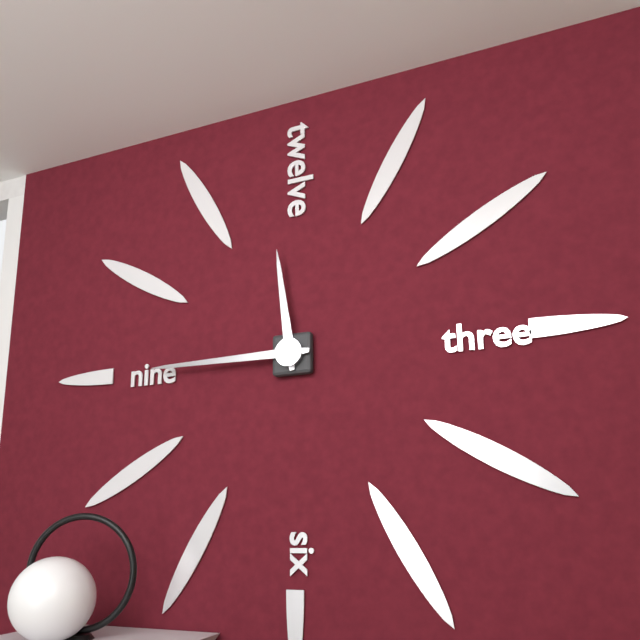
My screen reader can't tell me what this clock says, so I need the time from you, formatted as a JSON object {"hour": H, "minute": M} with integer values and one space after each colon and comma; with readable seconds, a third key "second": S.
{"hour": 11, "minute": 45}
